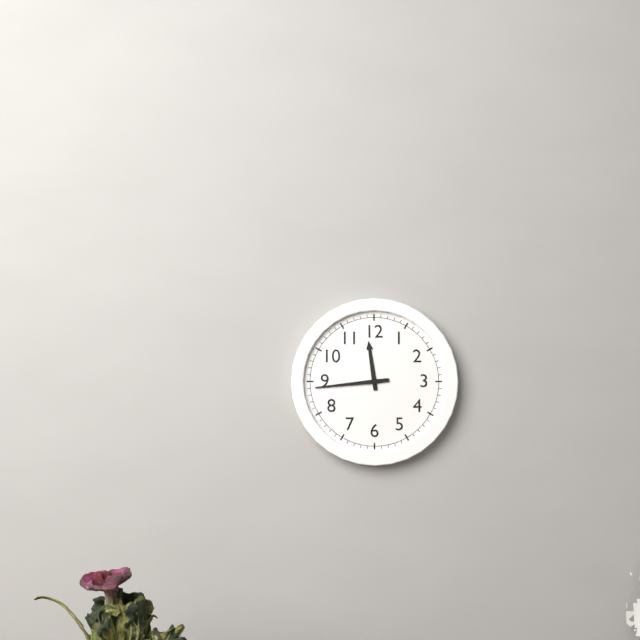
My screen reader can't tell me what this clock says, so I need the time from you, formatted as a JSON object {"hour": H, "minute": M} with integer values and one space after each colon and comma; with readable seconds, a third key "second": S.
{"hour": 11, "minute": 44}
